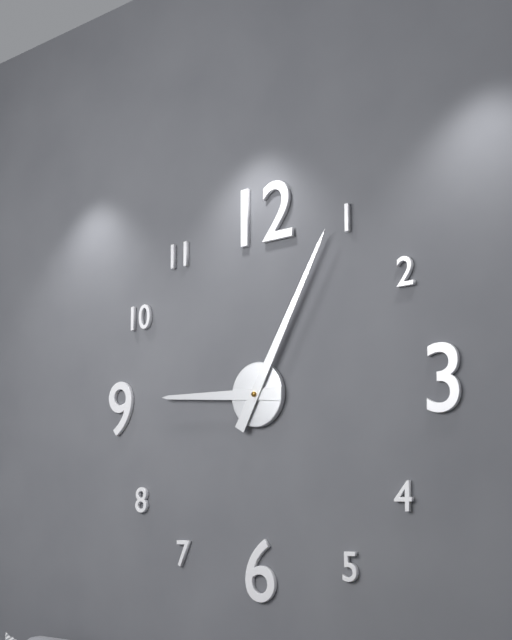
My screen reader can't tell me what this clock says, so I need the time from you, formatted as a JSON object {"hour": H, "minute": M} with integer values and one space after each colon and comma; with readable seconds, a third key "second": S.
{"hour": 9, "minute": 5}
